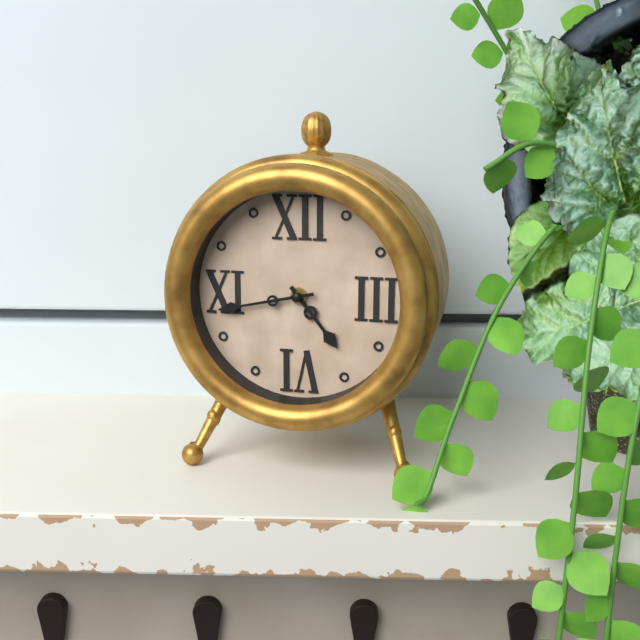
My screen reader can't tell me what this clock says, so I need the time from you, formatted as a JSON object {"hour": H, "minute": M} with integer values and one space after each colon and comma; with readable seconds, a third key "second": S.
{"hour": 4, "minute": 43}
